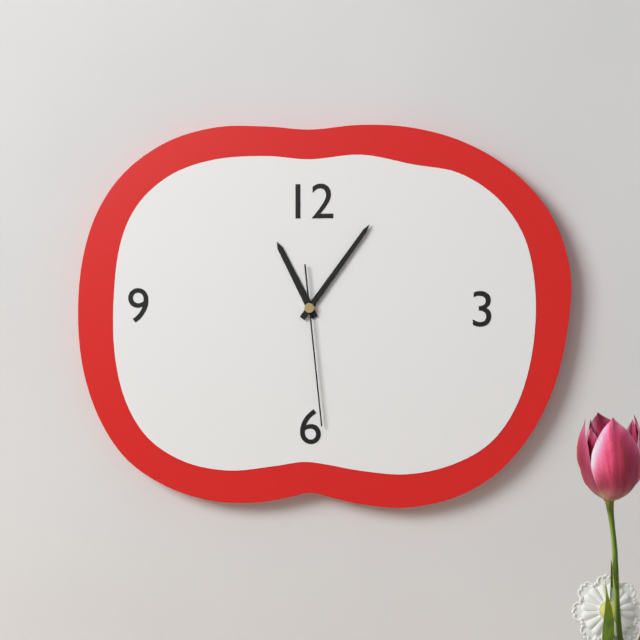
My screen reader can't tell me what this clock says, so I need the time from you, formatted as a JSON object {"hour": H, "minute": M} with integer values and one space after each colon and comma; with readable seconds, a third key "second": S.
{"hour": 11, "minute": 6, "second": 29}
